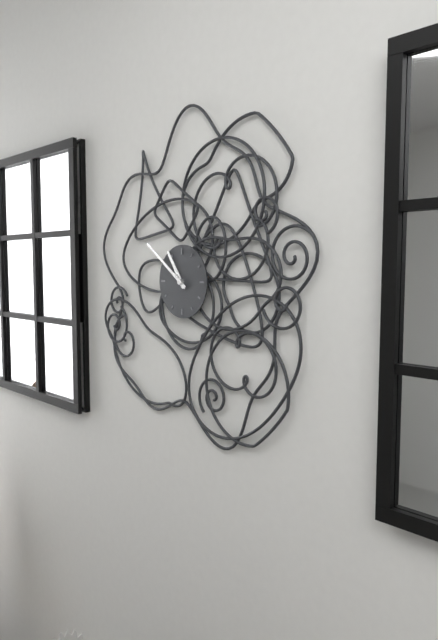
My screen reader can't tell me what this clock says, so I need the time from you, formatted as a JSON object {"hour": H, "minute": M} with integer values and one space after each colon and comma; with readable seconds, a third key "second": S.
{"hour": 10, "minute": 51}
